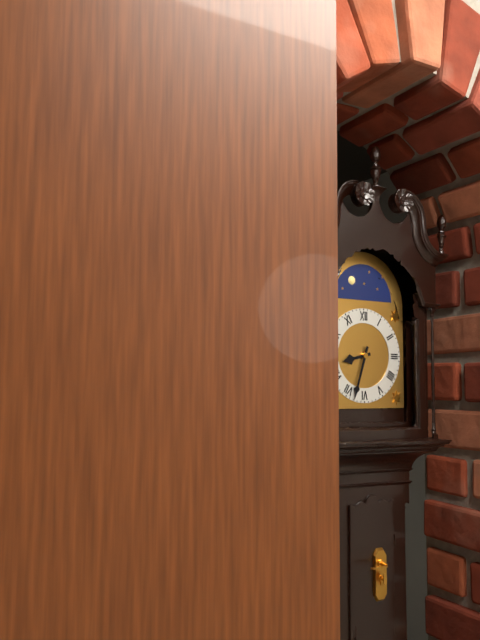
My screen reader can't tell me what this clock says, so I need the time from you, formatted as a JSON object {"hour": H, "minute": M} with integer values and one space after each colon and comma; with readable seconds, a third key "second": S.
{"hour": 8, "minute": 33}
